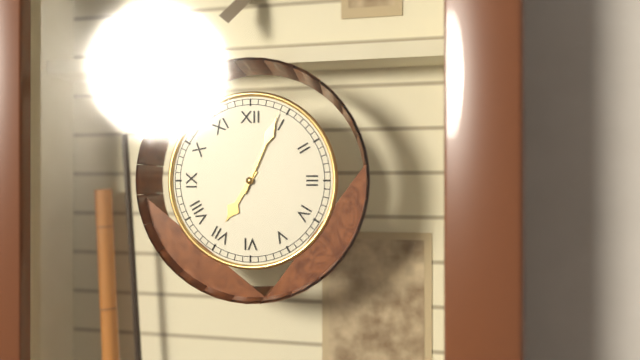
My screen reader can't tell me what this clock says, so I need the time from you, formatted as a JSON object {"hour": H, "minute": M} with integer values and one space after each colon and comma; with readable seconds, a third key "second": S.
{"hour": 7, "minute": 4}
